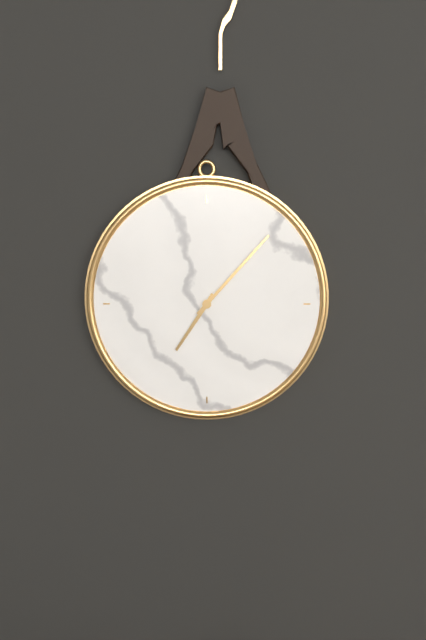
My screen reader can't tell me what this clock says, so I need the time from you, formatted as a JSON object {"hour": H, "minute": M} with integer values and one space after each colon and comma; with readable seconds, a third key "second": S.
{"hour": 7, "minute": 7}
